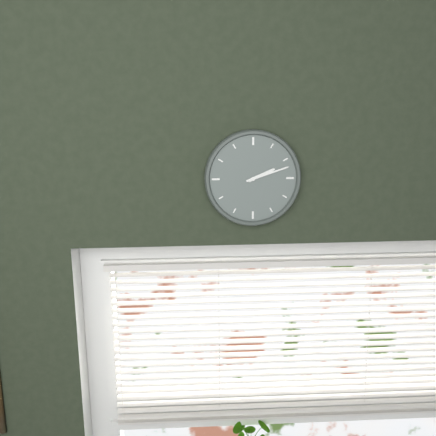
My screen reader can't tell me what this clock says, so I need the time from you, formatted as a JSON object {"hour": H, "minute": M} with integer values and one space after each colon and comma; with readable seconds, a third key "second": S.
{"hour": 2, "minute": 12}
